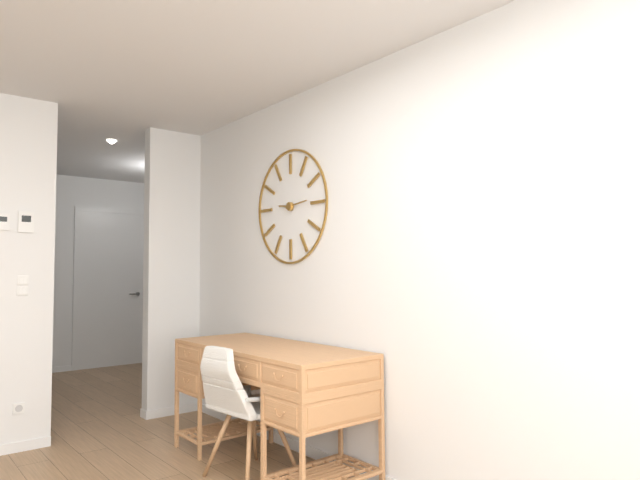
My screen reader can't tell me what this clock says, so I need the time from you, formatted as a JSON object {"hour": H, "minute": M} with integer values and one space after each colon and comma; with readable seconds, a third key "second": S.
{"hour": 9, "minute": 14}
